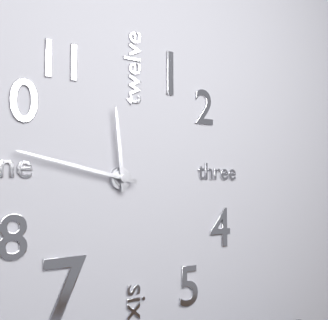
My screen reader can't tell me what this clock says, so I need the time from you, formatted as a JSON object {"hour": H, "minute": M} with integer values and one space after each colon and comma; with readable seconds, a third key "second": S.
{"hour": 11, "minute": 47}
